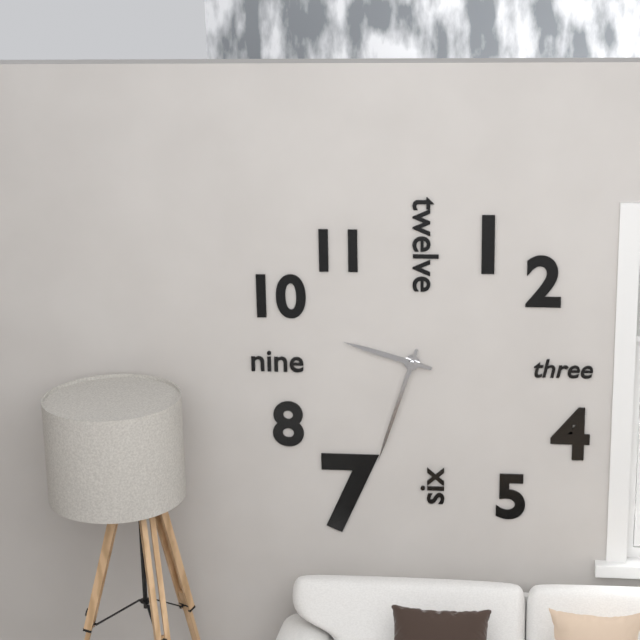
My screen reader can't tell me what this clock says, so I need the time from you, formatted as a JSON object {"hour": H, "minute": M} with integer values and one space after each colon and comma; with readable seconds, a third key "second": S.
{"hour": 9, "minute": 33}
